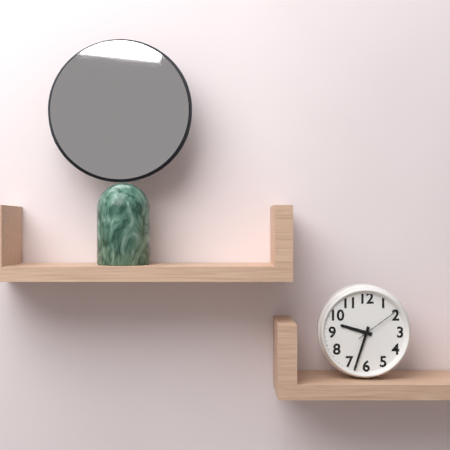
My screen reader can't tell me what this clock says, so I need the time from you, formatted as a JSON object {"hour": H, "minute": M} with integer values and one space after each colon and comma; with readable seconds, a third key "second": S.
{"hour": 9, "minute": 33, "second": 9}
